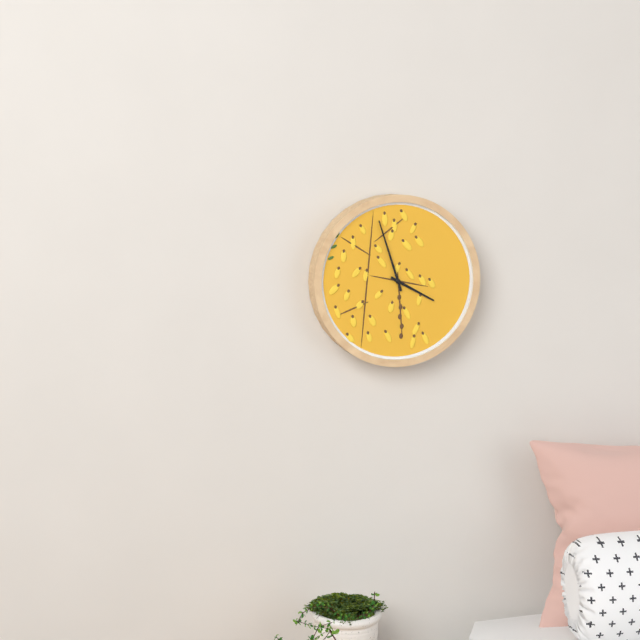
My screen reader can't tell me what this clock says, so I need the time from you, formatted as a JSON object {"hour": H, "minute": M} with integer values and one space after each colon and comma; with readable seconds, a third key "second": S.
{"hour": 3, "minute": 57}
